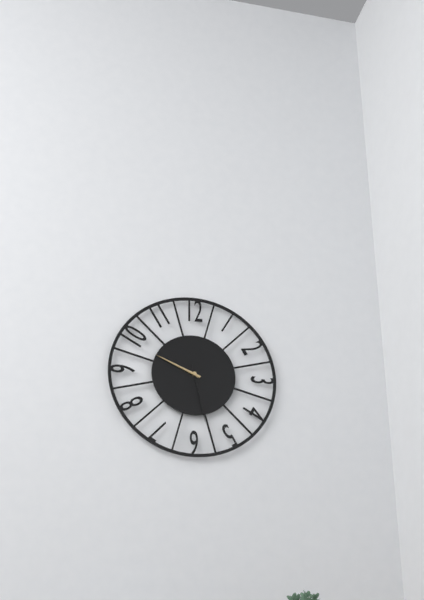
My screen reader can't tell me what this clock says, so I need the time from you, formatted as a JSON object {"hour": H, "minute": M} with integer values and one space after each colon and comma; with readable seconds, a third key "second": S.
{"hour": 9, "minute": 49, "second": 28}
